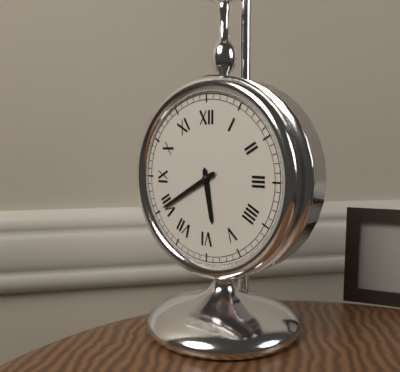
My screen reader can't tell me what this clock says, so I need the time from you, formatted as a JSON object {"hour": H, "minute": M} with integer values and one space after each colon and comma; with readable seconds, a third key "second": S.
{"hour": 5, "minute": 40}
